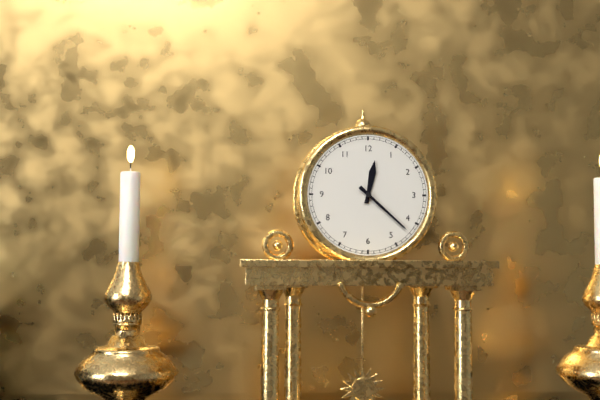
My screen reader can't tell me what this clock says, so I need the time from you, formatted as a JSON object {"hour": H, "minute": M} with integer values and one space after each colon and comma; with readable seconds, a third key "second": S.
{"hour": 12, "minute": 22}
